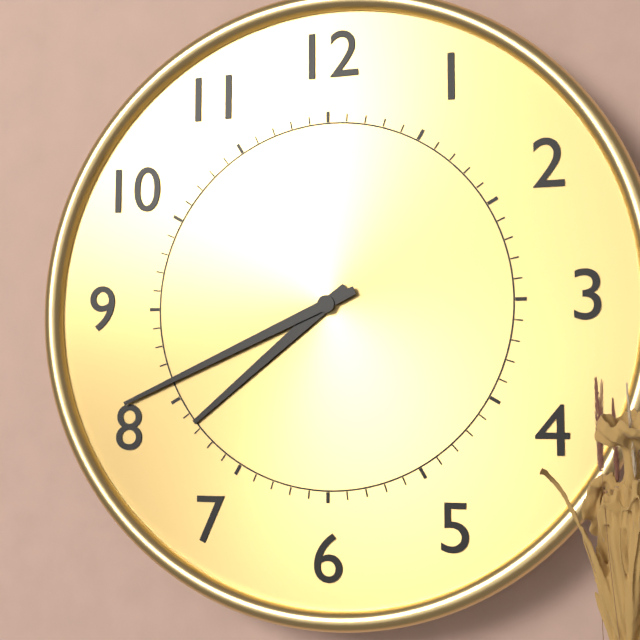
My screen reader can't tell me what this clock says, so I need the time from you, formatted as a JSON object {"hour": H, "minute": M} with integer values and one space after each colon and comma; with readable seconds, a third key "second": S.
{"hour": 7, "minute": 41}
